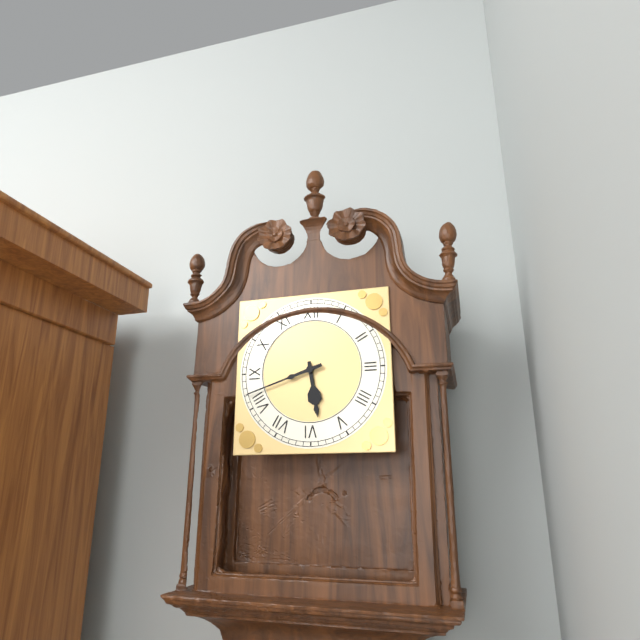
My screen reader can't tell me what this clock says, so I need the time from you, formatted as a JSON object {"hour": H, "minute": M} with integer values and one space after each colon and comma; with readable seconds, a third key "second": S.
{"hour": 5, "minute": 42}
